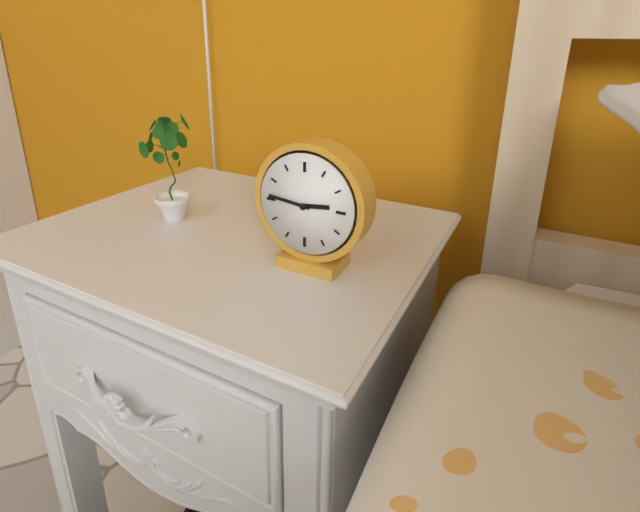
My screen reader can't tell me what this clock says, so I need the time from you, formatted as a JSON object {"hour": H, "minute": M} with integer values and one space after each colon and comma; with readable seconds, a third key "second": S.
{"hour": 2, "minute": 46}
